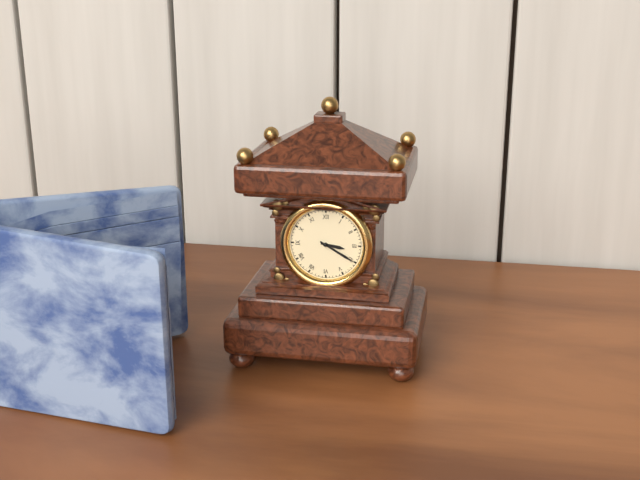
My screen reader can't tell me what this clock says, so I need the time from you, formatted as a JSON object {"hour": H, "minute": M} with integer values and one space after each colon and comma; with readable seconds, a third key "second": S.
{"hour": 3, "minute": 20}
